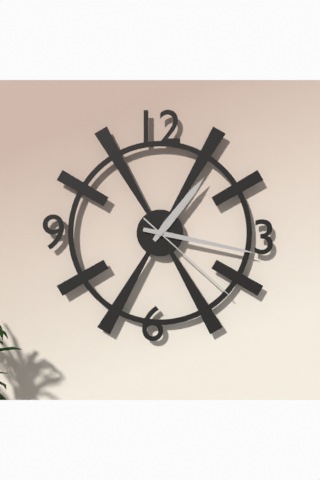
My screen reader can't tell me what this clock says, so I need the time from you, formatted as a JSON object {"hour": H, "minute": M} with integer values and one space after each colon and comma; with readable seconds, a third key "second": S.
{"hour": 1, "minute": 17, "second": 22}
